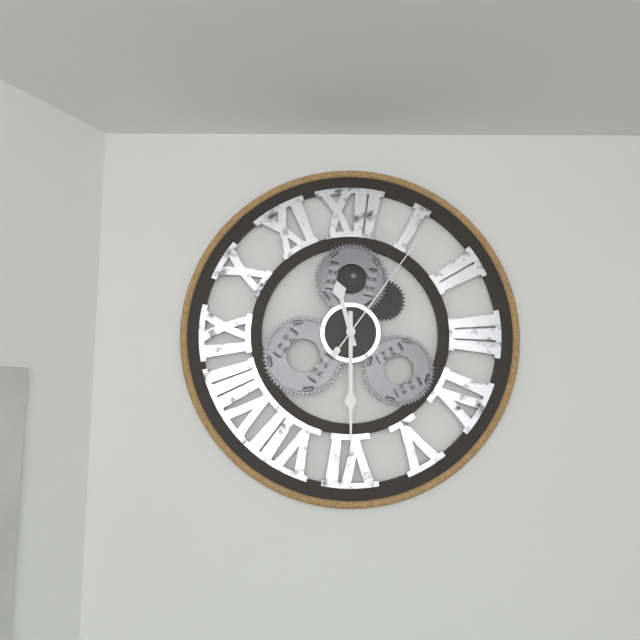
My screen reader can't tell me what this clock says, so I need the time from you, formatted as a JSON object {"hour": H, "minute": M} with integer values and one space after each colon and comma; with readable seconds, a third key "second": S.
{"hour": 11, "minute": 30, "second": 6}
